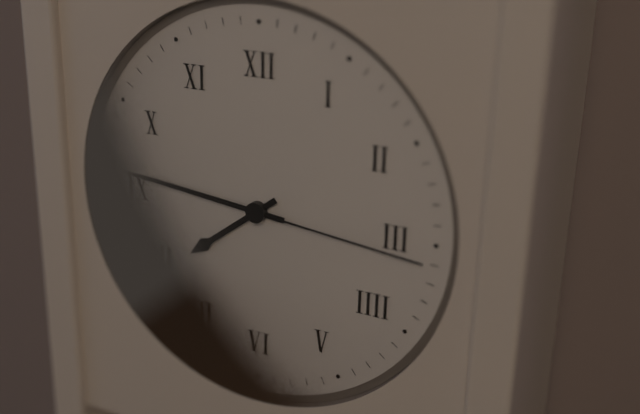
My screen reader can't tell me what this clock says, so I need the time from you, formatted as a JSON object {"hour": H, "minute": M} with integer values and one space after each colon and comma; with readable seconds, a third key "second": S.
{"hour": 7, "minute": 46, "second": 16}
